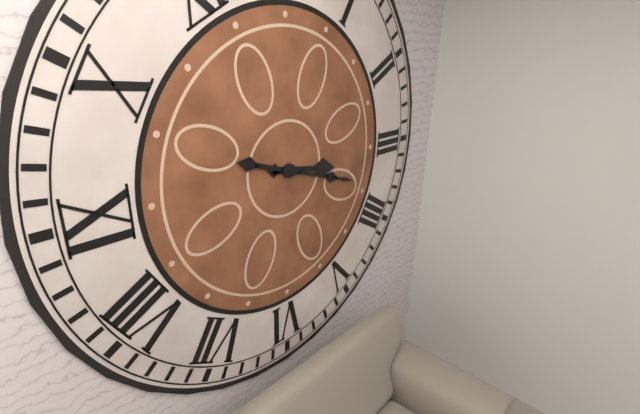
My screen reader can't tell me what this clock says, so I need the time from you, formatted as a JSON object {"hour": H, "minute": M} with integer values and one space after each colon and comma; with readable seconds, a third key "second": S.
{"hour": 3, "minute": 18}
